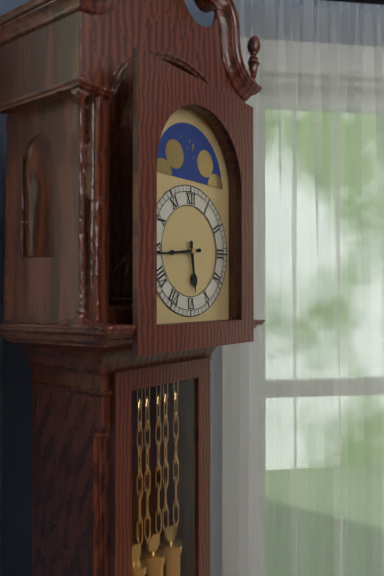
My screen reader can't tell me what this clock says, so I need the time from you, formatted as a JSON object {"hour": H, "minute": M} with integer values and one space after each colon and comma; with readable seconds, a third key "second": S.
{"hour": 5, "minute": 44}
